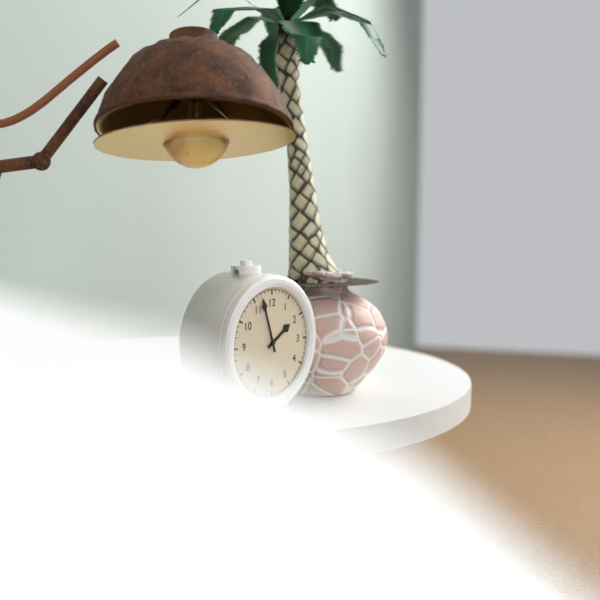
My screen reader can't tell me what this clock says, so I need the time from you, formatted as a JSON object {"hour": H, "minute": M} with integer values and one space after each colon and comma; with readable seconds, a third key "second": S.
{"hour": 1, "minute": 57}
